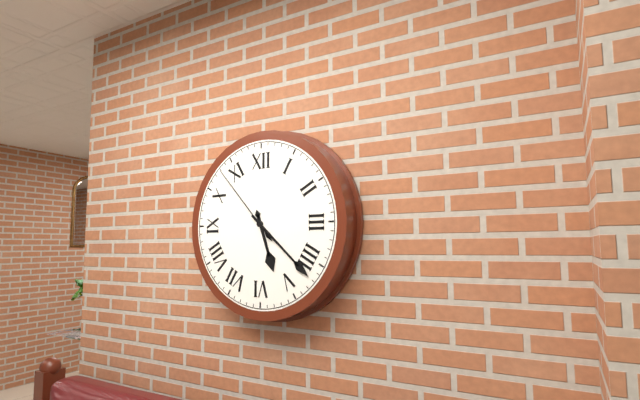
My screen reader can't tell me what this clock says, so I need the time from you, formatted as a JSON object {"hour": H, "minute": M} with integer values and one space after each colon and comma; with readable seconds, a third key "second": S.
{"hour": 5, "minute": 22, "second": 53}
